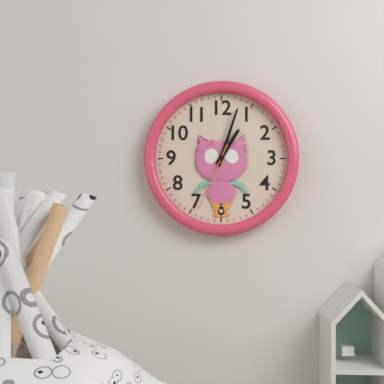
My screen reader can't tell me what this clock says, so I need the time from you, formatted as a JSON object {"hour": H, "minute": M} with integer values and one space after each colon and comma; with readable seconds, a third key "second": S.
{"hour": 1, "minute": 3, "second": 34}
